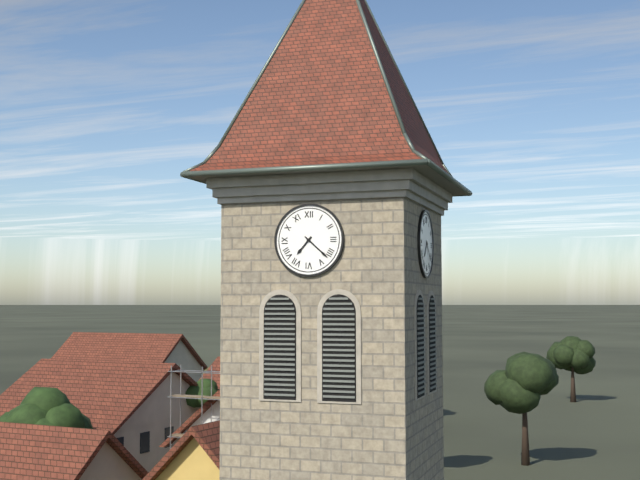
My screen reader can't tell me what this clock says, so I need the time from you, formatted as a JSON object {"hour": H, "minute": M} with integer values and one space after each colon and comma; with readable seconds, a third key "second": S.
{"hour": 7, "minute": 22}
